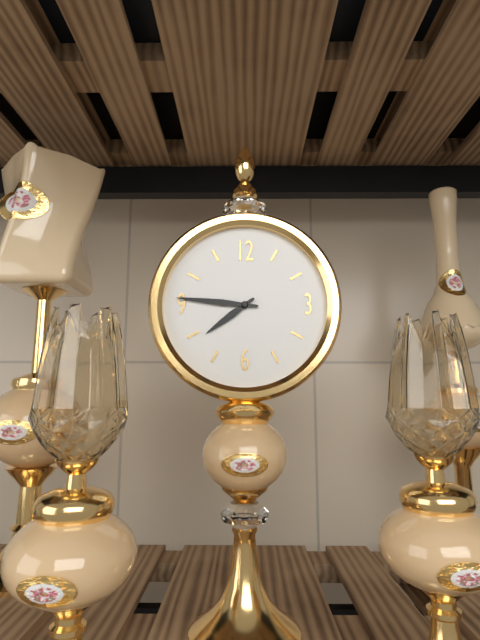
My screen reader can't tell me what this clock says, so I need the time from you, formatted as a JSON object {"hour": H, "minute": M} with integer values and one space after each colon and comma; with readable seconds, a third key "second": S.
{"hour": 7, "minute": 46}
